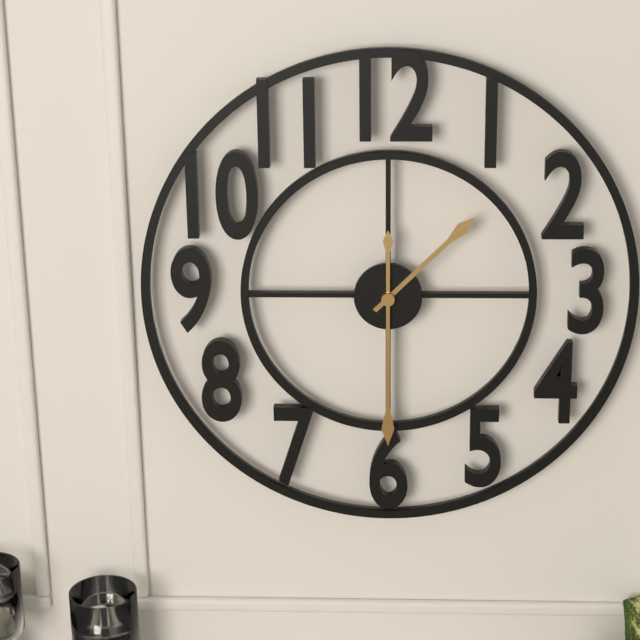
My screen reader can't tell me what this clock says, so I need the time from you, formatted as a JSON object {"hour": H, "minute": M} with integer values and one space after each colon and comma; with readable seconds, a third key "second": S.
{"hour": 1, "minute": 30}
